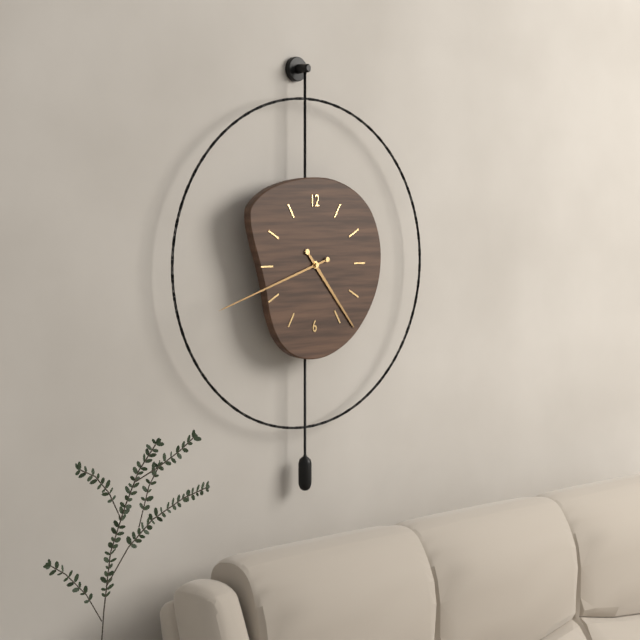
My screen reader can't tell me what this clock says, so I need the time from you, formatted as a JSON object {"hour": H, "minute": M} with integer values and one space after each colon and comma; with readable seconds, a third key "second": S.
{"hour": 4, "minute": 42}
